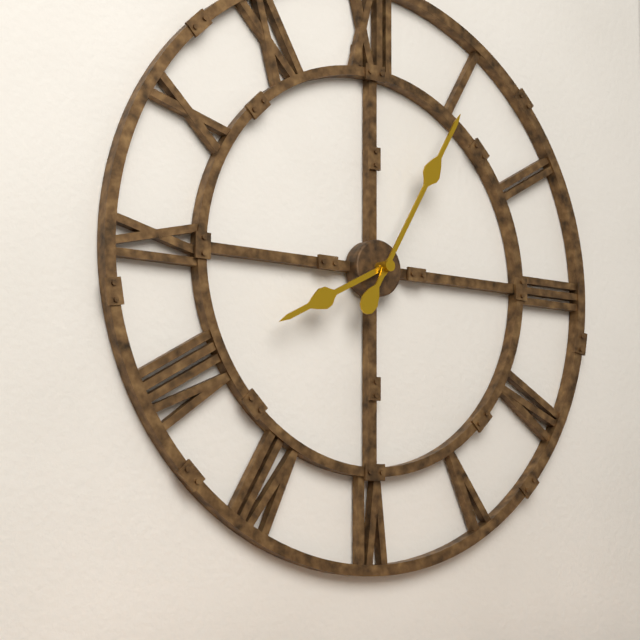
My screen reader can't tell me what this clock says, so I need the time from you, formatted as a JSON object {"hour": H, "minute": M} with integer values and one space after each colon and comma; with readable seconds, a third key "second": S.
{"hour": 8, "minute": 5}
